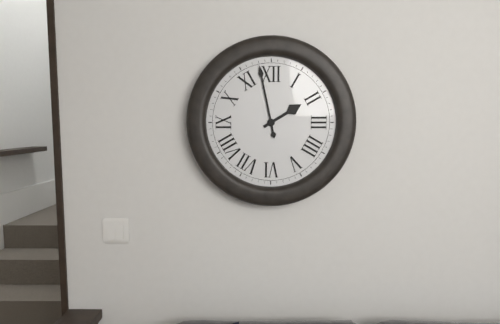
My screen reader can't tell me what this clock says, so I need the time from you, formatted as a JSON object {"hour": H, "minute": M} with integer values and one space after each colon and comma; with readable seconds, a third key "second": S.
{"hour": 1, "minute": 58}
